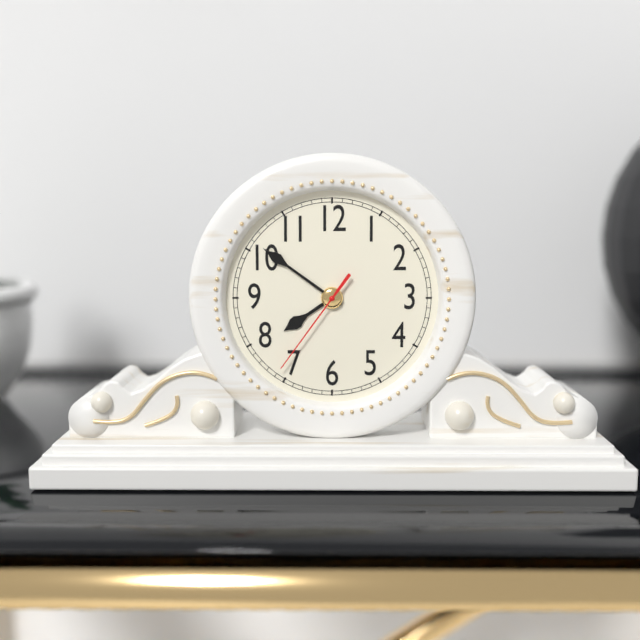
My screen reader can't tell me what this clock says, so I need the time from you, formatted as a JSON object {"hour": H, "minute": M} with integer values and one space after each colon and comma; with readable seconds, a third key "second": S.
{"hour": 7, "minute": 51, "second": 36}
